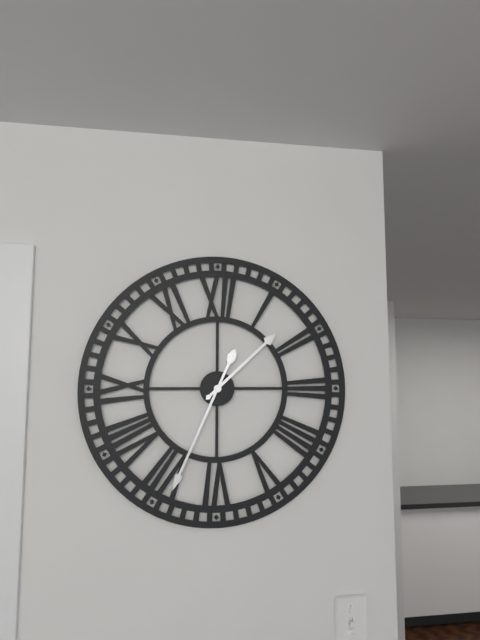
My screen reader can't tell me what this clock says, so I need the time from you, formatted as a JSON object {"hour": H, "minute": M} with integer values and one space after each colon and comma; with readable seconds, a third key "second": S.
{"hour": 1, "minute": 34}
